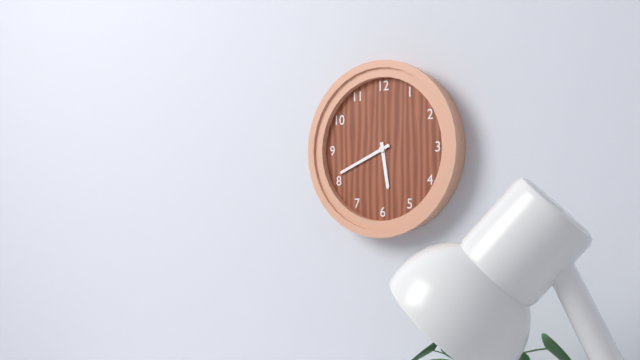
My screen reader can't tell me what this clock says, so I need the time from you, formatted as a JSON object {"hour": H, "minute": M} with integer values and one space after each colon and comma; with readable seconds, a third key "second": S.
{"hour": 5, "minute": 41}
